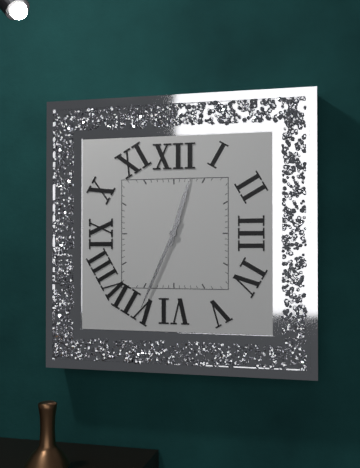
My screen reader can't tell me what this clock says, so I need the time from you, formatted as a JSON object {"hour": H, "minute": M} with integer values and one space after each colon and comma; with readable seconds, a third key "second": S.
{"hour": 12, "minute": 34}
